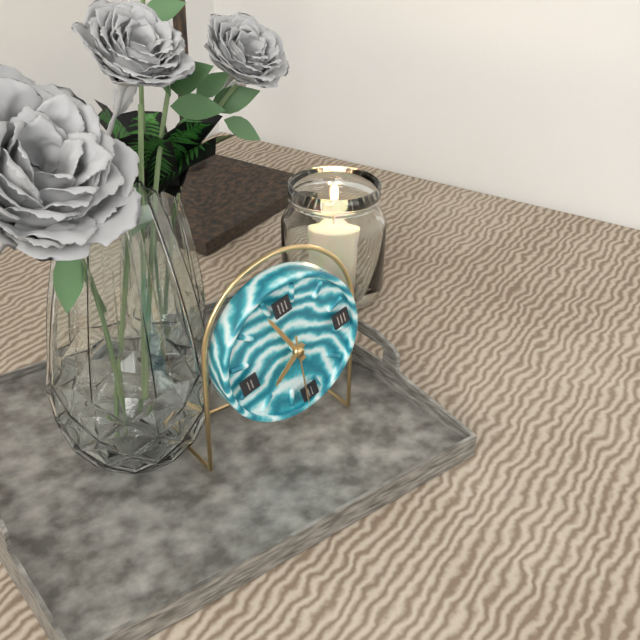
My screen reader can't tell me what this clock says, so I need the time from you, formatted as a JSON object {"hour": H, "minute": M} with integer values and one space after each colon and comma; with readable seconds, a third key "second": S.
{"hour": 7, "minute": 57, "second": 31}
